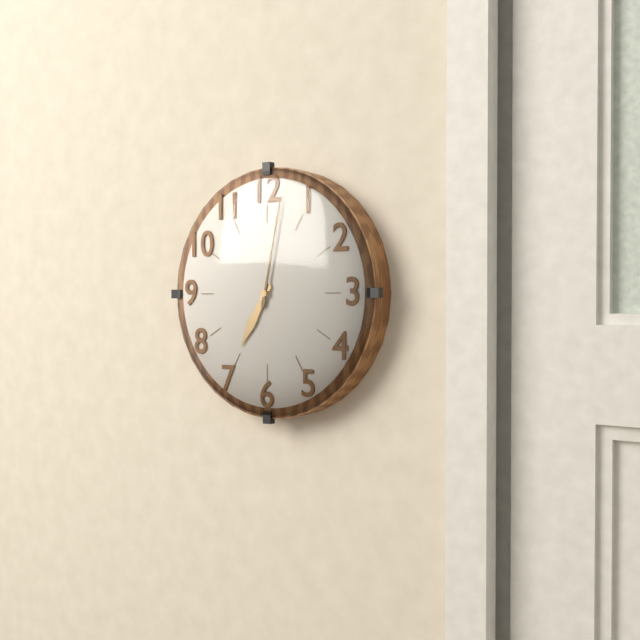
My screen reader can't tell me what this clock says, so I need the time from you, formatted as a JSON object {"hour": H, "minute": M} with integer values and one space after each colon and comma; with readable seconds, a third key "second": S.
{"hour": 7, "minute": 2}
